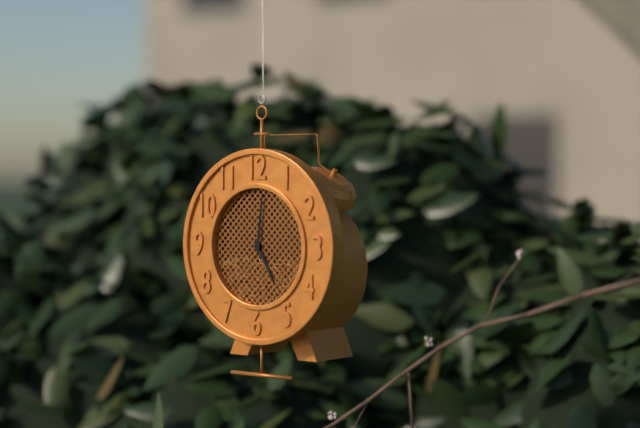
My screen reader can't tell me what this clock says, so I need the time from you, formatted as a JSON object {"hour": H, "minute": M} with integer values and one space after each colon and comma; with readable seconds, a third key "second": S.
{"hour": 5, "minute": 1}
